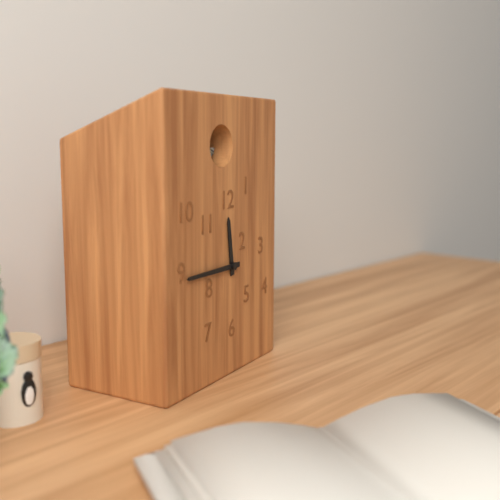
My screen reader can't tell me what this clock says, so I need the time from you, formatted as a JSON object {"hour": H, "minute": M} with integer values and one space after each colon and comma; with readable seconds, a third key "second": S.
{"hour": 11, "minute": 45}
